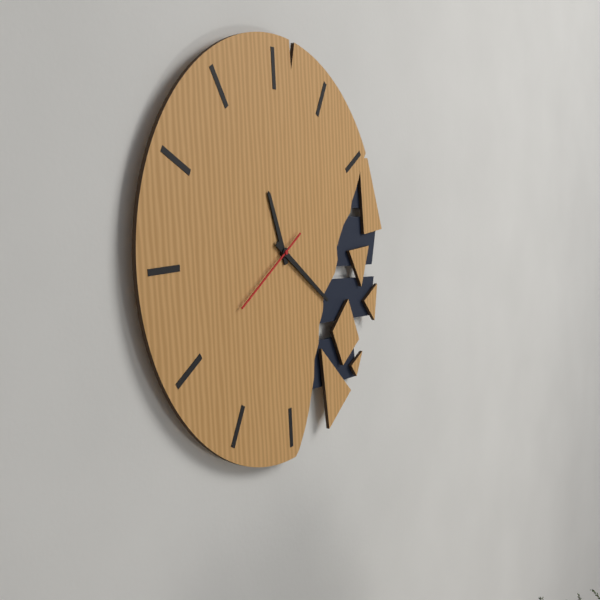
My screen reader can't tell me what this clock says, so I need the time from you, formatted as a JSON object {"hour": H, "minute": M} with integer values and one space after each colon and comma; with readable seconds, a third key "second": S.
{"hour": 11, "minute": 21, "second": 40}
